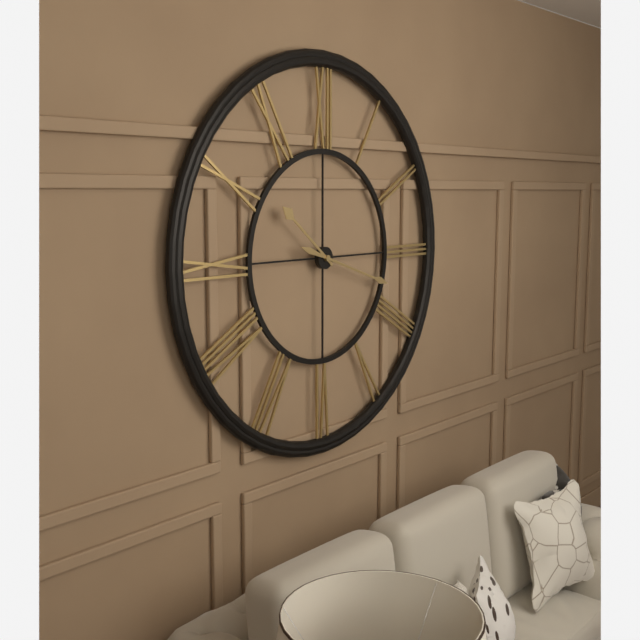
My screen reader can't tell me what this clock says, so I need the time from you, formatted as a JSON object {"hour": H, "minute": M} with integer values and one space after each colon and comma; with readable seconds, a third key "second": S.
{"hour": 10, "minute": 18}
